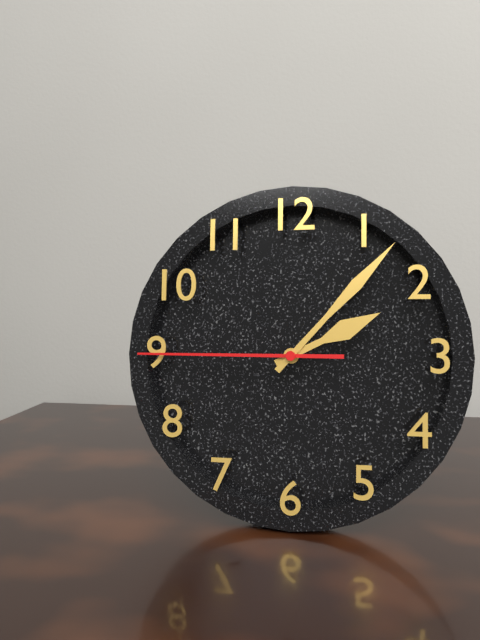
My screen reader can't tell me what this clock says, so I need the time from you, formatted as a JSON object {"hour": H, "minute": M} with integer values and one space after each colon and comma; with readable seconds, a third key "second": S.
{"hour": 2, "minute": 7, "second": 45}
